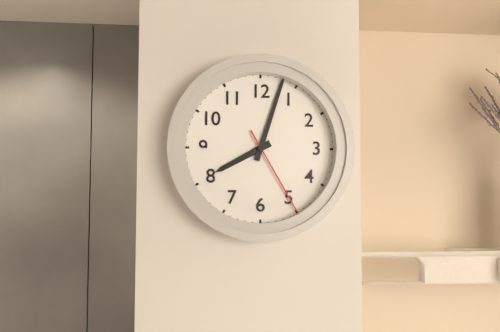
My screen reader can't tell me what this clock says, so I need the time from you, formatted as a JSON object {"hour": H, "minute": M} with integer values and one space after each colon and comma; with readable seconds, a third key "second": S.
{"hour": 8, "minute": 3, "second": 25}
